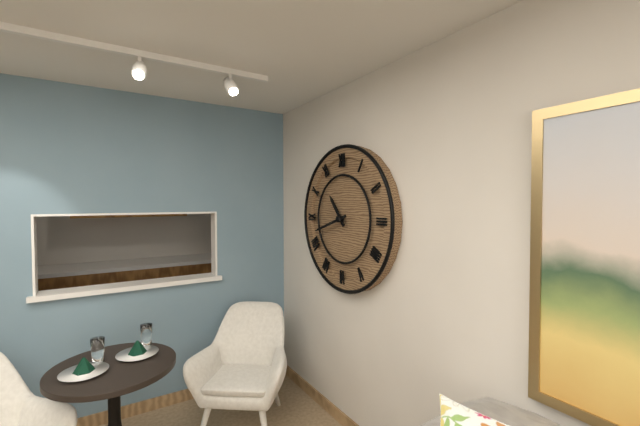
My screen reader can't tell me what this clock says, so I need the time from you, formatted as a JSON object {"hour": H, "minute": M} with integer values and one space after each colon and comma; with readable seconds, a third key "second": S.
{"hour": 10, "minute": 42}
